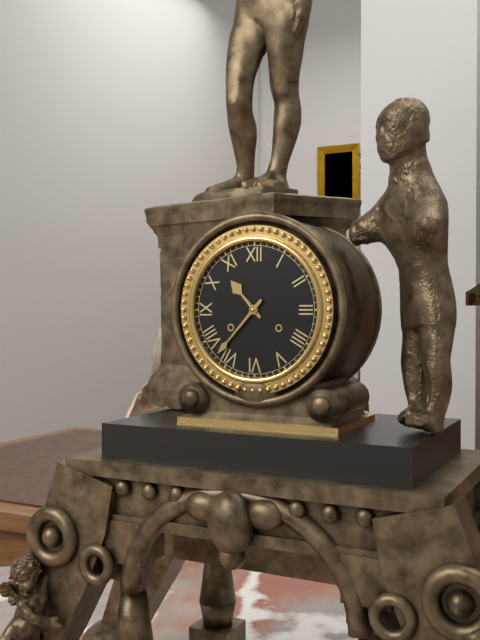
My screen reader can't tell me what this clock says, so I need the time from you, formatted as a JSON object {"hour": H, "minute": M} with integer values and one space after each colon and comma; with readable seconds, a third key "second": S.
{"hour": 10, "minute": 37}
